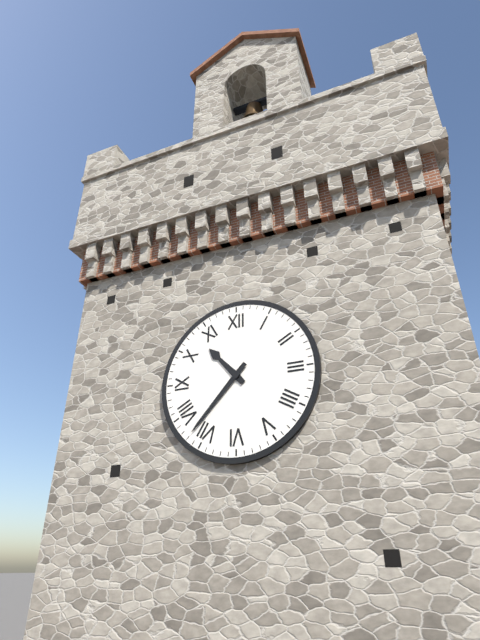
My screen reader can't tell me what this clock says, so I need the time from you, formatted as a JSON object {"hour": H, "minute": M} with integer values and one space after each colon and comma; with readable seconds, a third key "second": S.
{"hour": 10, "minute": 37}
